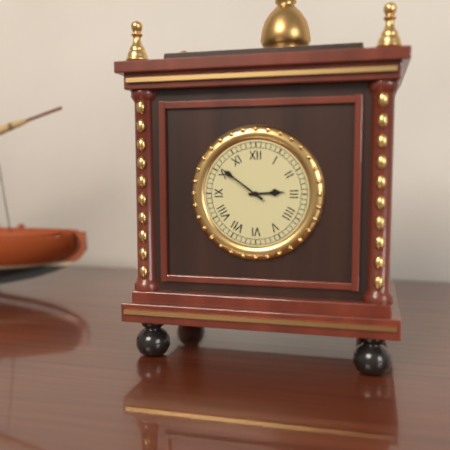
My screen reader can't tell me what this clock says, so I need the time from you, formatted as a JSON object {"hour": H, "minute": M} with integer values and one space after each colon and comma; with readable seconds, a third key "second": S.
{"hour": 2, "minute": 51}
